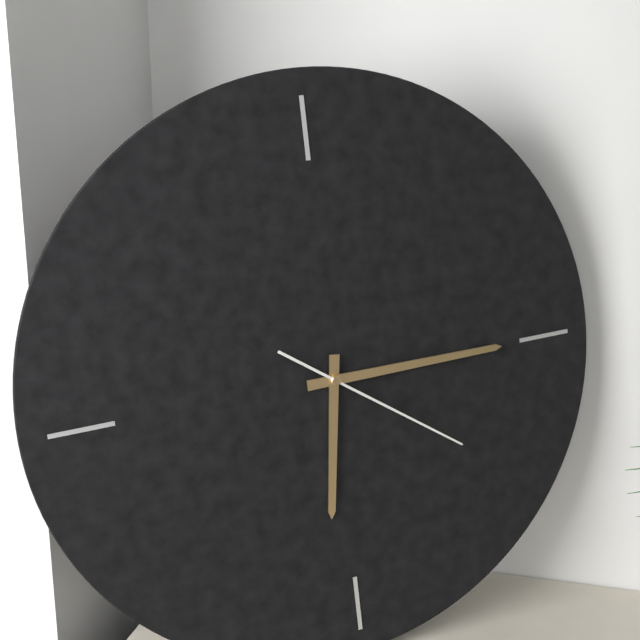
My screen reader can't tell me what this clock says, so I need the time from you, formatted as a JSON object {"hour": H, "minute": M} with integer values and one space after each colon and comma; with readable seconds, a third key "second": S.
{"hour": 6, "minute": 15, "second": 21}
